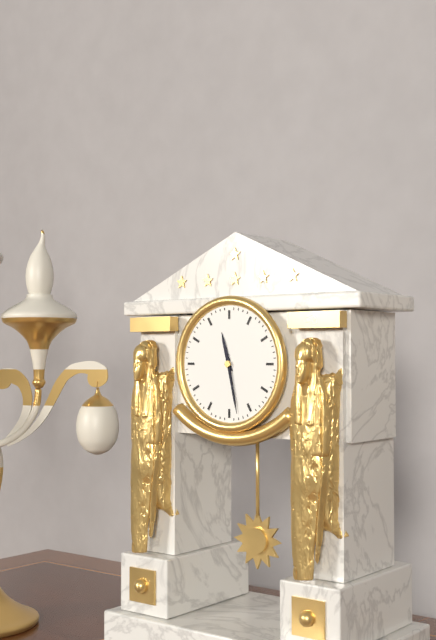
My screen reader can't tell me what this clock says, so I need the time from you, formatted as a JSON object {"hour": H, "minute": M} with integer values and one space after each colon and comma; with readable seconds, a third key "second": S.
{"hour": 11, "minute": 28}
